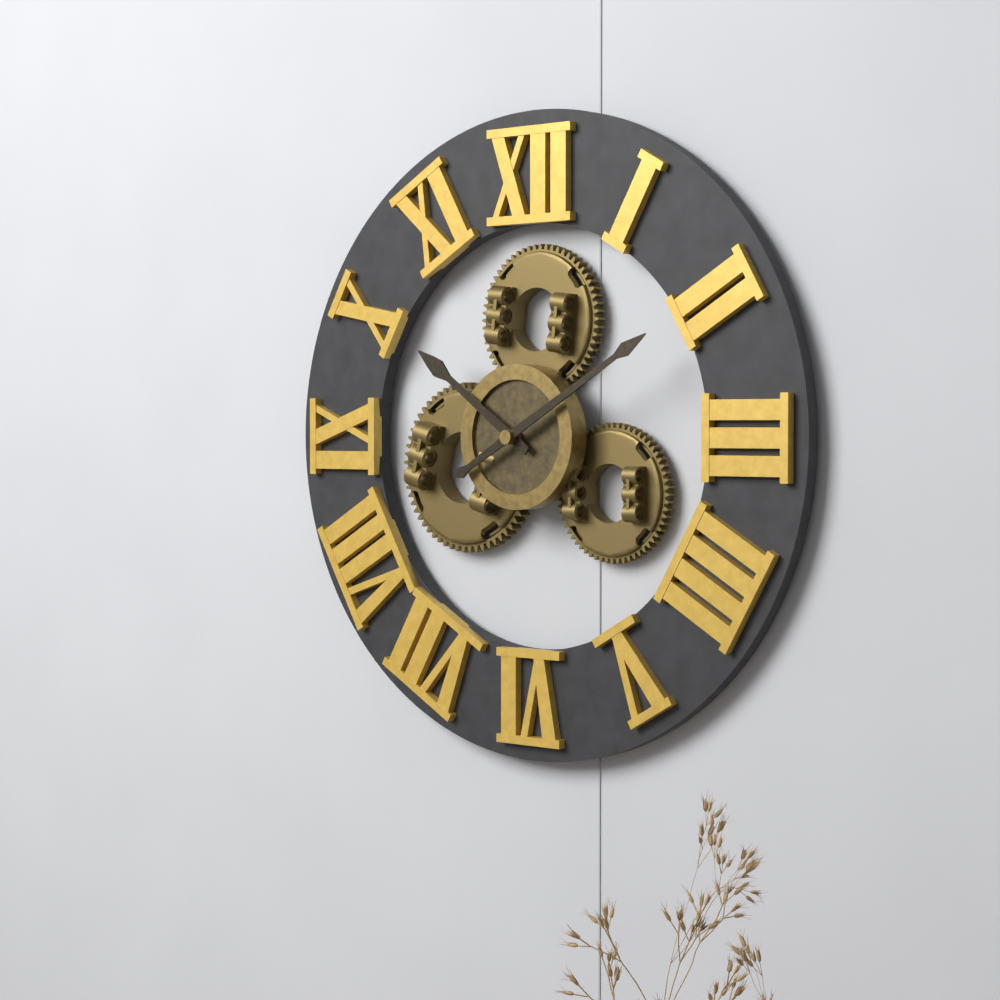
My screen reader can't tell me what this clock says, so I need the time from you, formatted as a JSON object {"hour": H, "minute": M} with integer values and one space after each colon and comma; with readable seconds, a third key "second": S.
{"hour": 10, "minute": 10}
